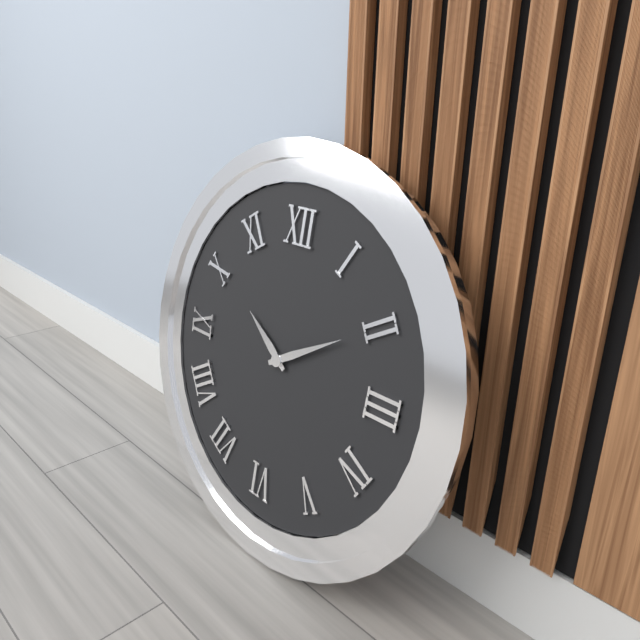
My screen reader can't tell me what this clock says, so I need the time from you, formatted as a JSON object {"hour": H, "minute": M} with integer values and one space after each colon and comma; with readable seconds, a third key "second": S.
{"hour": 10, "minute": 10}
